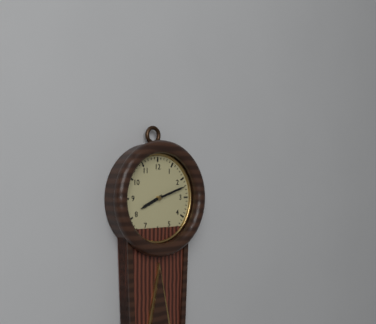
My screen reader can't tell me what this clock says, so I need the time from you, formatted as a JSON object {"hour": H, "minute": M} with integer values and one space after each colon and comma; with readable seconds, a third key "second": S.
{"hour": 8, "minute": 12}
